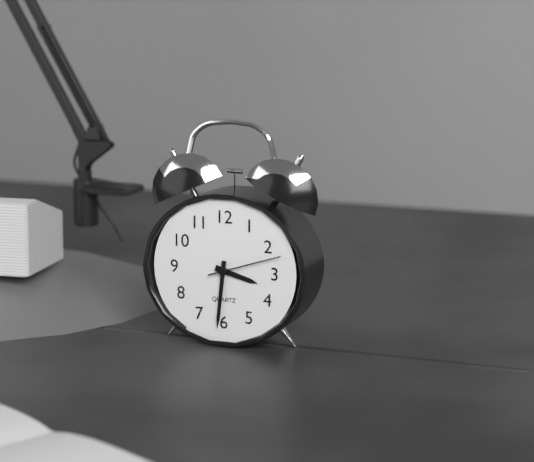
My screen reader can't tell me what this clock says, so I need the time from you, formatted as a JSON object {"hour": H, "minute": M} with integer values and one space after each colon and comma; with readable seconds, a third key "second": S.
{"hour": 3, "minute": 31, "second": 12}
